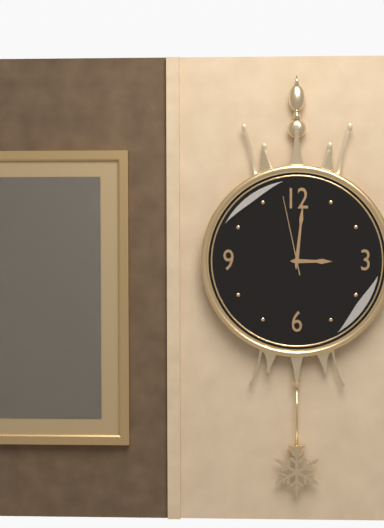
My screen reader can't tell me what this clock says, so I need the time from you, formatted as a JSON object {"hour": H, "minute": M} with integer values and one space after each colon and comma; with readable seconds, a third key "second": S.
{"hour": 3, "minute": 1, "second": 58}
